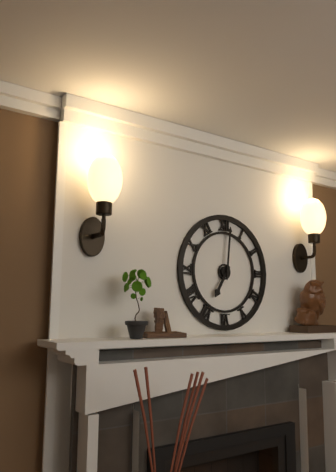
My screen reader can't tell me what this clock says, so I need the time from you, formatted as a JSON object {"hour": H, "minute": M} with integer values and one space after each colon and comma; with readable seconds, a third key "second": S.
{"hour": 7, "minute": 1}
